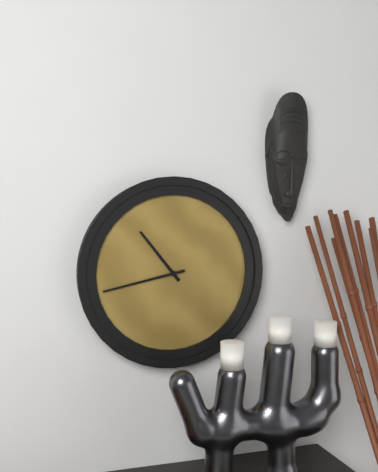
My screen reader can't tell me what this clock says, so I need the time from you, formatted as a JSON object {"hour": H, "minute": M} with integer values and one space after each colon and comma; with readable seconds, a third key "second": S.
{"hour": 10, "minute": 43}
